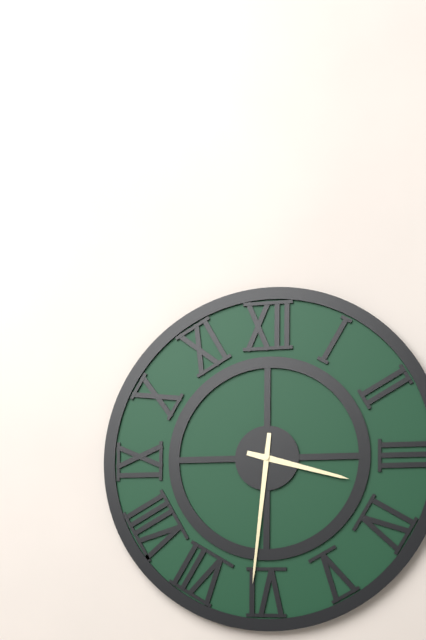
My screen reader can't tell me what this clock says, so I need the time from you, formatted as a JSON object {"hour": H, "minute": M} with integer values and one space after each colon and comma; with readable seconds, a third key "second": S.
{"hour": 3, "minute": 31}
